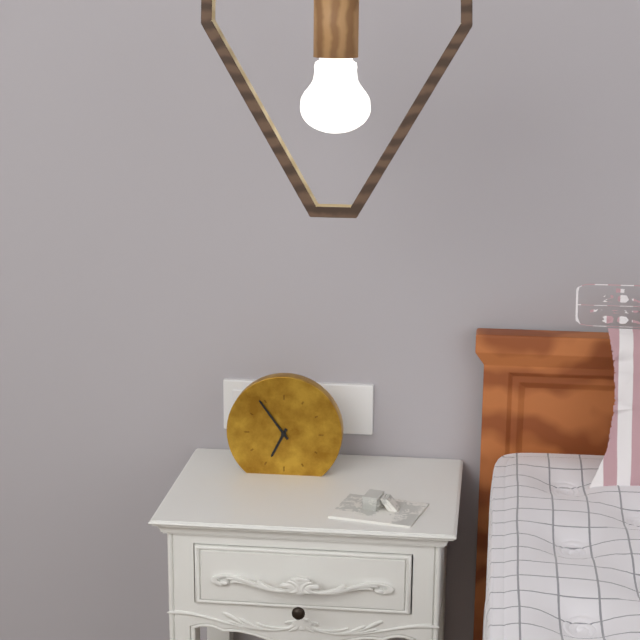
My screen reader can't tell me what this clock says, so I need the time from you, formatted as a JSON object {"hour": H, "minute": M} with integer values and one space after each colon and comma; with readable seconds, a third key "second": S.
{"hour": 6, "minute": 54}
